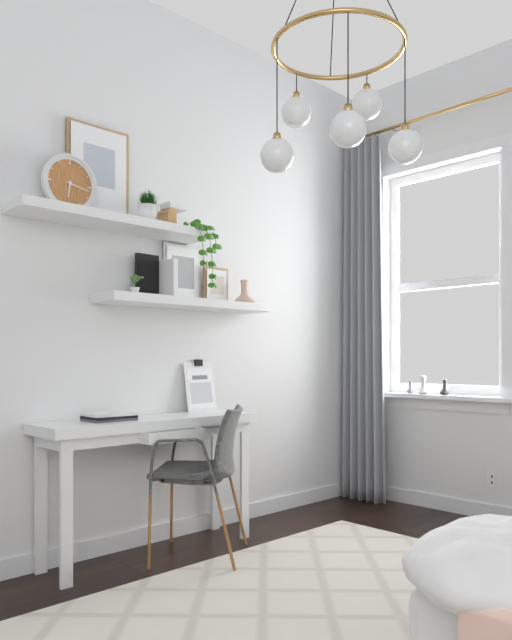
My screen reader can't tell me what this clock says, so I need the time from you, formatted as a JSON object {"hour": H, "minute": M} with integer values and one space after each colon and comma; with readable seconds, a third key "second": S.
{"hour": 6, "minute": 17}
